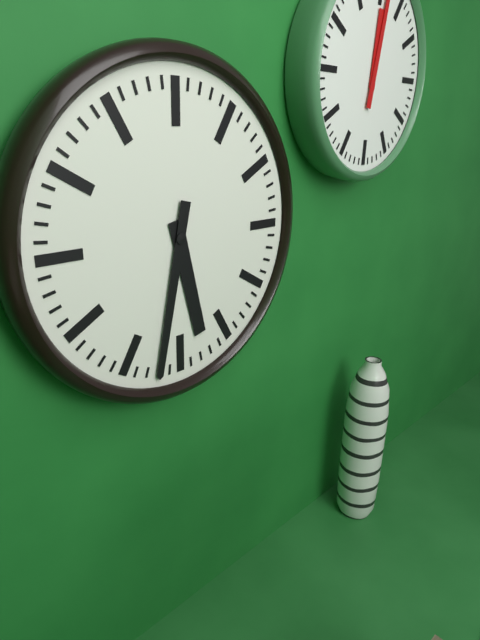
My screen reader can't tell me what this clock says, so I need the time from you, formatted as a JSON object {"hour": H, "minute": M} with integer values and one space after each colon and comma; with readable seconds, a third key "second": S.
{"hour": 5, "minute": 32}
